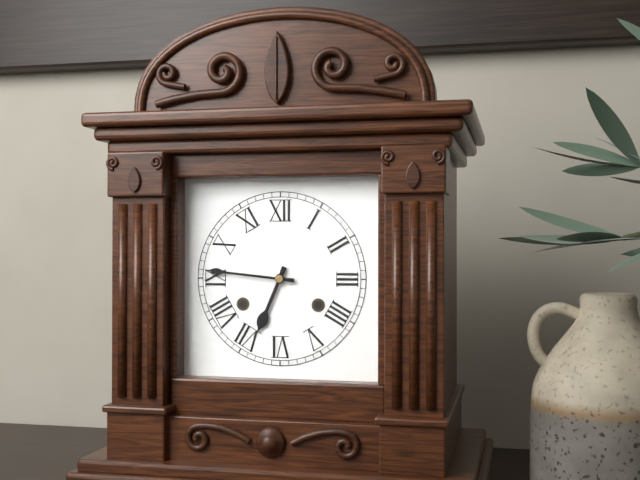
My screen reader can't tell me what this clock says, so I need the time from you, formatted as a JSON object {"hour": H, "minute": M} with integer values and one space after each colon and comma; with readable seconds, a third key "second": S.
{"hour": 6, "minute": 46}
